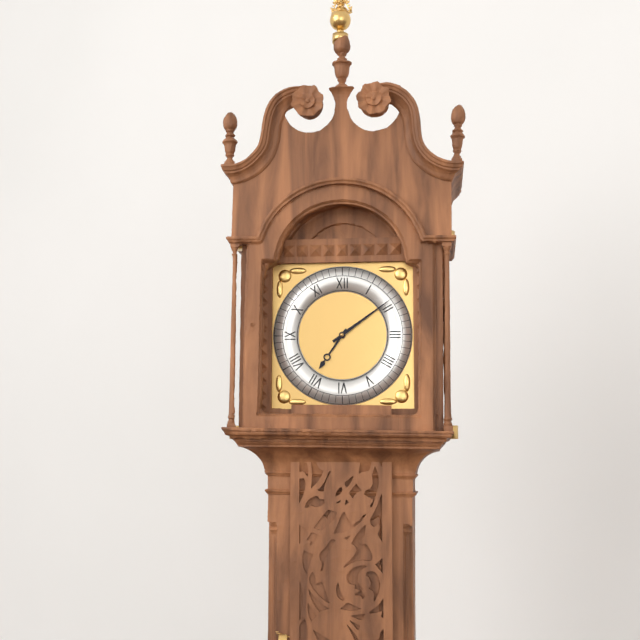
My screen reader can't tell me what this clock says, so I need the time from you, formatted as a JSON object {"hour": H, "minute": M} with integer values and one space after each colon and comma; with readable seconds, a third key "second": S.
{"hour": 7, "minute": 9}
